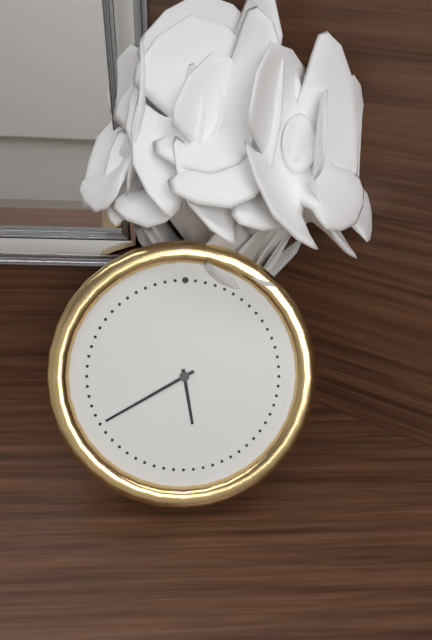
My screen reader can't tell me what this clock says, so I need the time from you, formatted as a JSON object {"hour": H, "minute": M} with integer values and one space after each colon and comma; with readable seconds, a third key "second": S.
{"hour": 5, "minute": 40}
